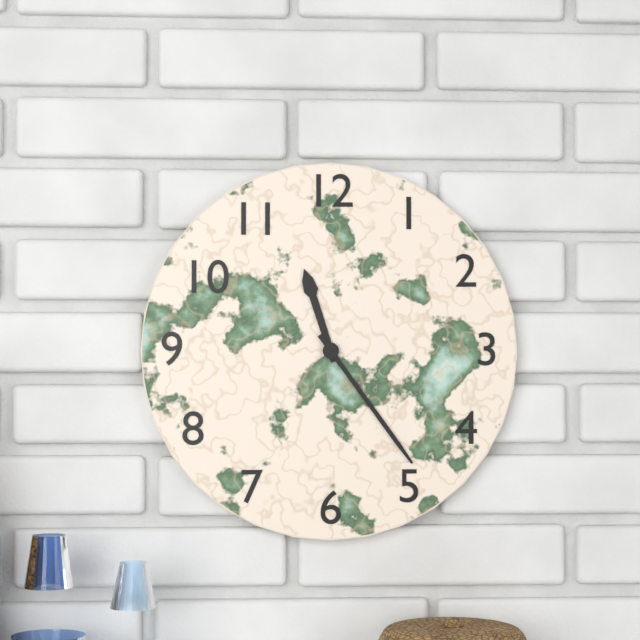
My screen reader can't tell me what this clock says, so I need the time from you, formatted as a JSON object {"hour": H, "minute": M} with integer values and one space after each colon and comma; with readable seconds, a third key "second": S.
{"hour": 11, "minute": 24}
